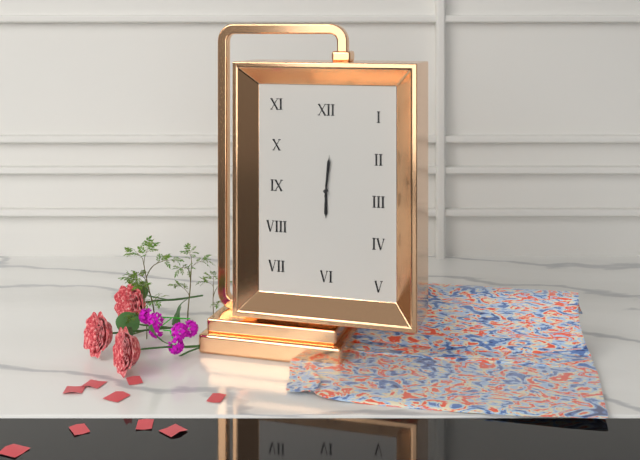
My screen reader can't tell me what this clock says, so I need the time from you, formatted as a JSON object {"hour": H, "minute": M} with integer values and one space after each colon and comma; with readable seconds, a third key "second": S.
{"hour": 6, "minute": 1}
